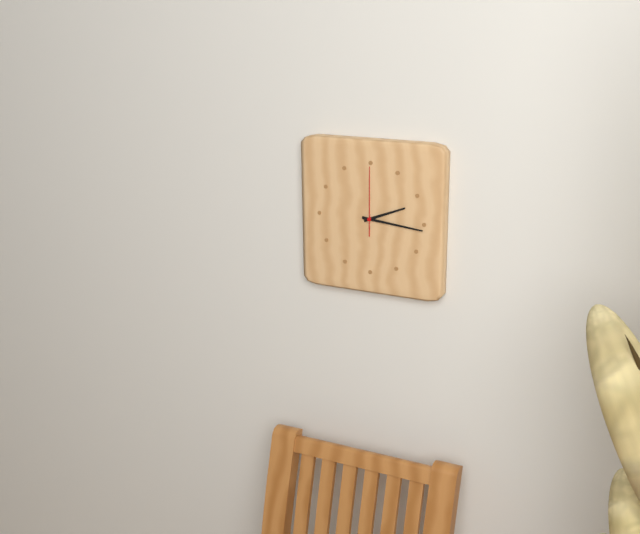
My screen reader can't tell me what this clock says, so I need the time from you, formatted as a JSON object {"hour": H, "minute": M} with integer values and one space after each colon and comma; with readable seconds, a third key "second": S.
{"hour": 2, "minute": 16, "second": 0}
